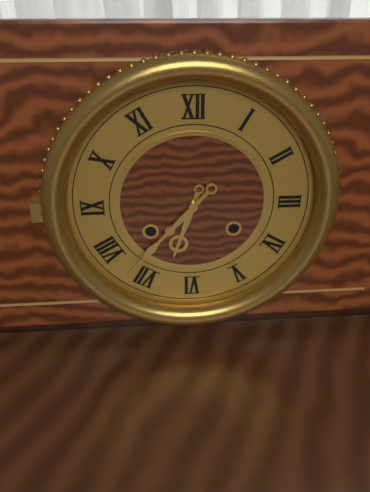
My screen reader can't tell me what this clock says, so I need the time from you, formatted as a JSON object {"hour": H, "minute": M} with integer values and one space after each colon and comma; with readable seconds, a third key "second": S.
{"hour": 6, "minute": 37}
